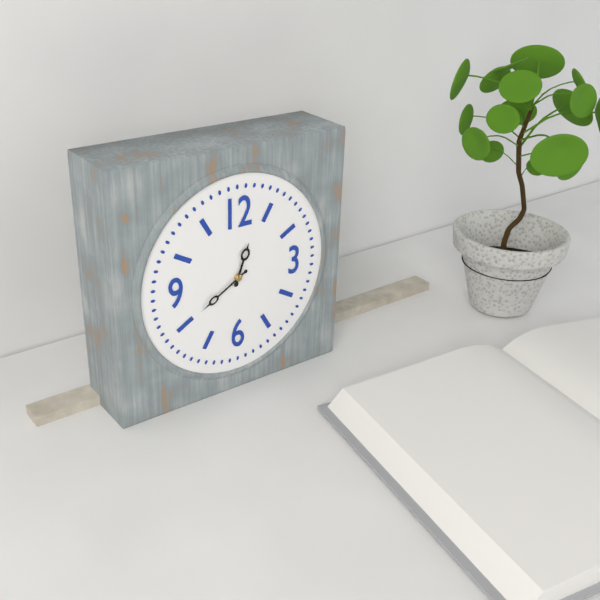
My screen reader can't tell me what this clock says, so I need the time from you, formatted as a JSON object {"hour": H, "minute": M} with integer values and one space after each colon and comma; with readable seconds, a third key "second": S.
{"hour": 12, "minute": 40}
